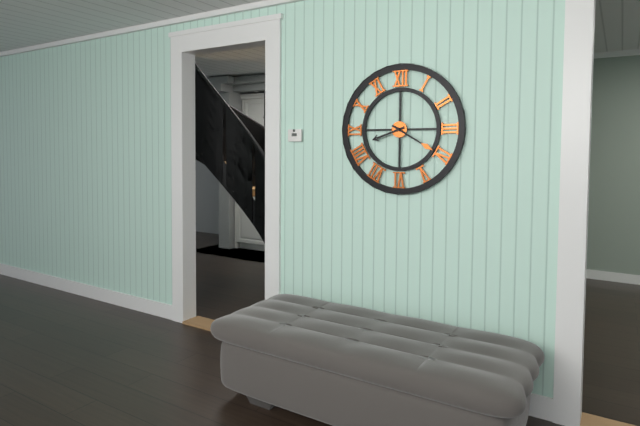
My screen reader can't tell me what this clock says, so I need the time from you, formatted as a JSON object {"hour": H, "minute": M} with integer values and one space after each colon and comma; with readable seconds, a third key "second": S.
{"hour": 8, "minute": 20}
